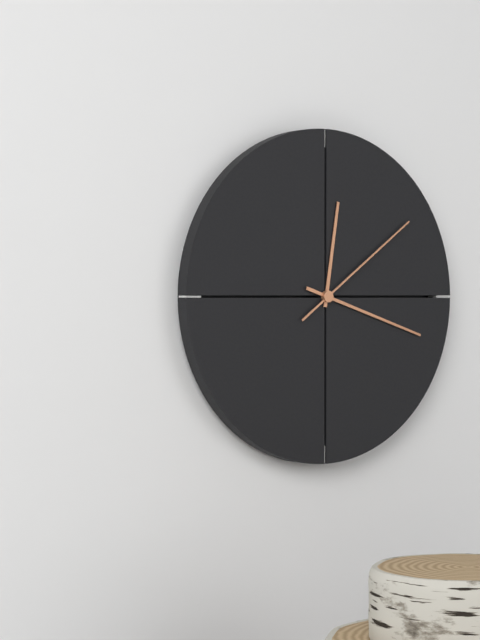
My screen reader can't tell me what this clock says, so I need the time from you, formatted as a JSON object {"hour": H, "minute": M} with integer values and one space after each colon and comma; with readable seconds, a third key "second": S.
{"hour": 12, "minute": 18, "second": 9}
